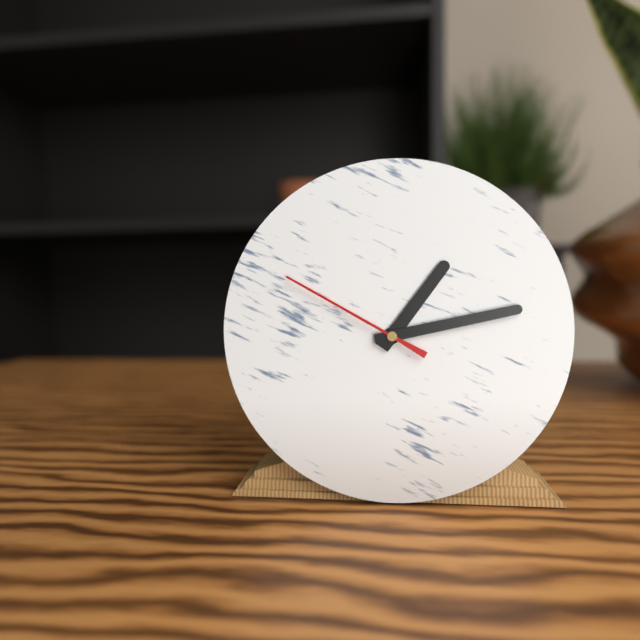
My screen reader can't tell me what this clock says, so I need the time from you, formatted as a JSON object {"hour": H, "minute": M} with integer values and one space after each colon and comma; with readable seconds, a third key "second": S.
{"hour": 1, "minute": 13, "second": 50}
